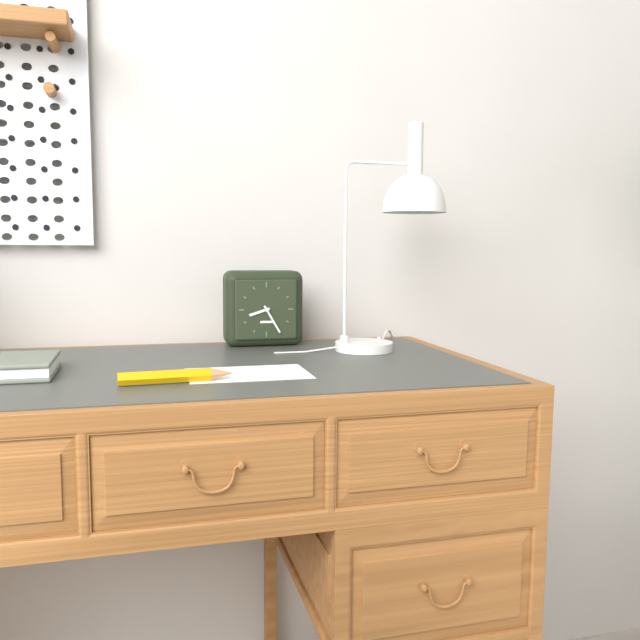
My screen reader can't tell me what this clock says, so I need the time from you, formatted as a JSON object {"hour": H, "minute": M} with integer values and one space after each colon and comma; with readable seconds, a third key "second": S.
{"hour": 8, "minute": 25}
